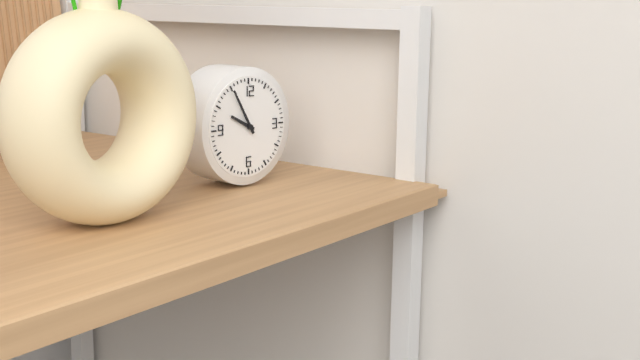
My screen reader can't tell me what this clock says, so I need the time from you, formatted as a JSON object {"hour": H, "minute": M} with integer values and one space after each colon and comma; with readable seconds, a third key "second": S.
{"hour": 9, "minute": 55}
